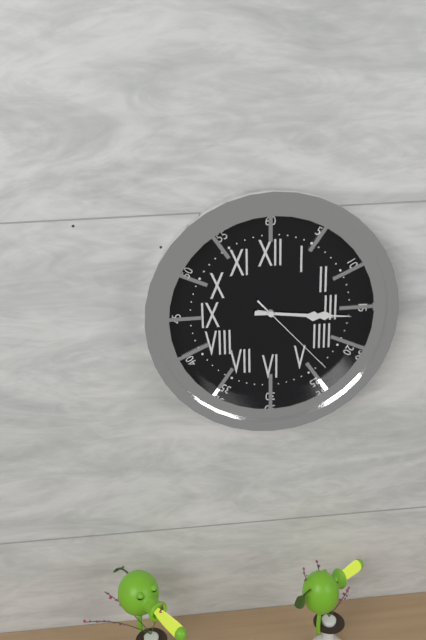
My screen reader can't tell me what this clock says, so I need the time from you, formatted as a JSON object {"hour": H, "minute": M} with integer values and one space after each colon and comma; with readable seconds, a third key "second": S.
{"hour": 3, "minute": 16, "second": 23}
